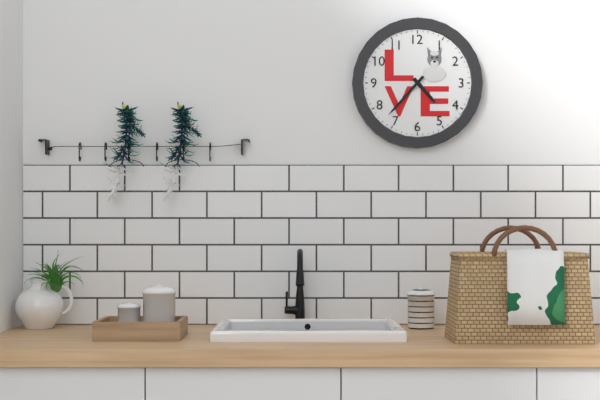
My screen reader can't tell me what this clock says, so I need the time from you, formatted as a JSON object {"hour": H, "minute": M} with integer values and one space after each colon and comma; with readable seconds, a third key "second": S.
{"hour": 4, "minute": 37}
